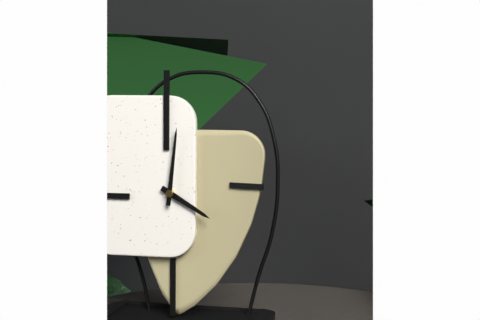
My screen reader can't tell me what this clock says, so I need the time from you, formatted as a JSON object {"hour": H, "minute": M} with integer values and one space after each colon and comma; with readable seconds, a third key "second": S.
{"hour": 4, "minute": 1}
